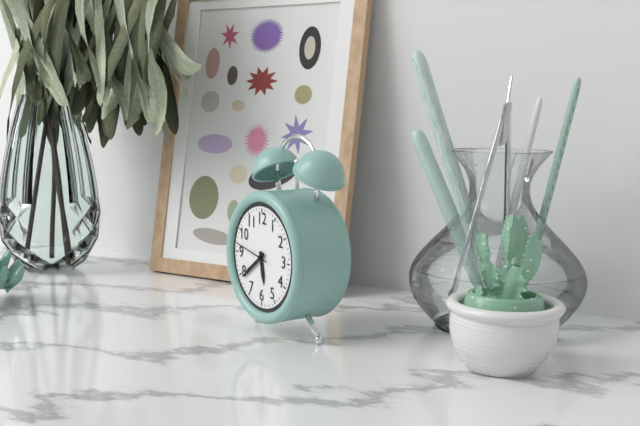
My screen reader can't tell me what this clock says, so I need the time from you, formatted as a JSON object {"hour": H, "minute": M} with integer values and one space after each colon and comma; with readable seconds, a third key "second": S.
{"hour": 5, "minute": 39}
